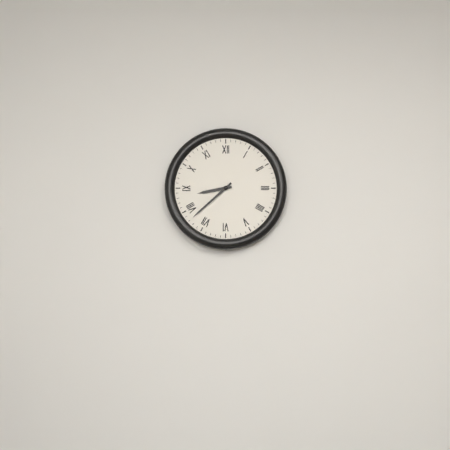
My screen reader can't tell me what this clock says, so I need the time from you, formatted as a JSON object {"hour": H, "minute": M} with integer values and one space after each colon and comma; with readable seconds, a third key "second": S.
{"hour": 8, "minute": 38}
